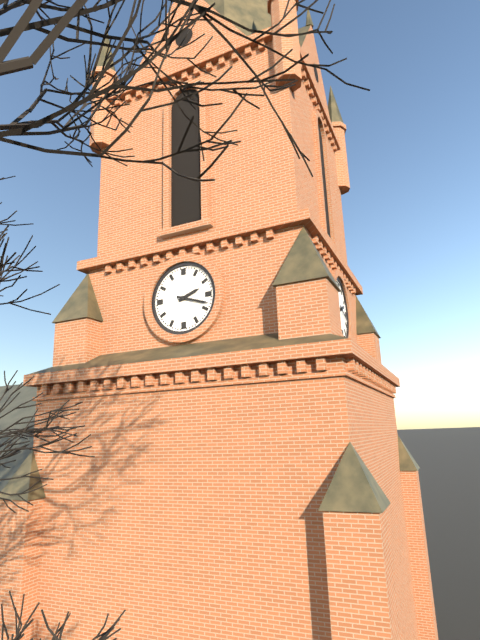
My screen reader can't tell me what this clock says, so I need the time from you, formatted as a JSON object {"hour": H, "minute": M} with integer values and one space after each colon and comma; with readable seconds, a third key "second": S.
{"hour": 2, "minute": 18}
